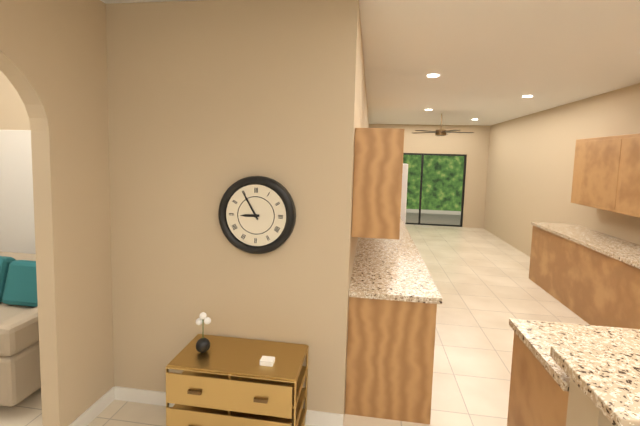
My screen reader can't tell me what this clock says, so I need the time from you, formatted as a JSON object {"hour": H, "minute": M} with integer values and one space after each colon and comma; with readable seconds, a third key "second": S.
{"hour": 8, "minute": 55}
